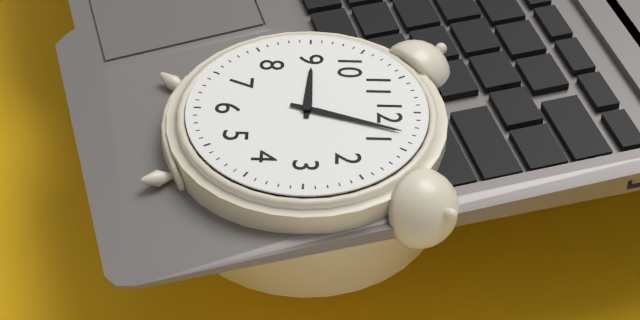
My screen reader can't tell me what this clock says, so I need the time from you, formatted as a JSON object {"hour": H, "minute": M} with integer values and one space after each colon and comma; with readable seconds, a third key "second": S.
{"hour": 9, "minute": 3}
